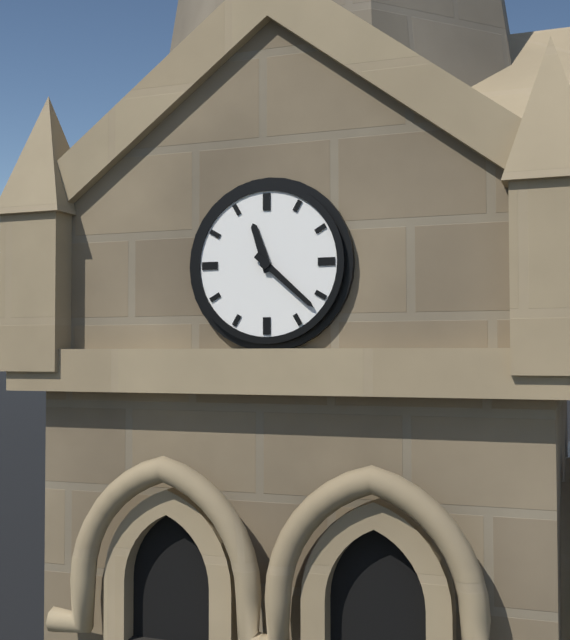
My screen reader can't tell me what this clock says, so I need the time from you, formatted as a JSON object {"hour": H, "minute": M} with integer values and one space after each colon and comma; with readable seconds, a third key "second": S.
{"hour": 11, "minute": 22}
